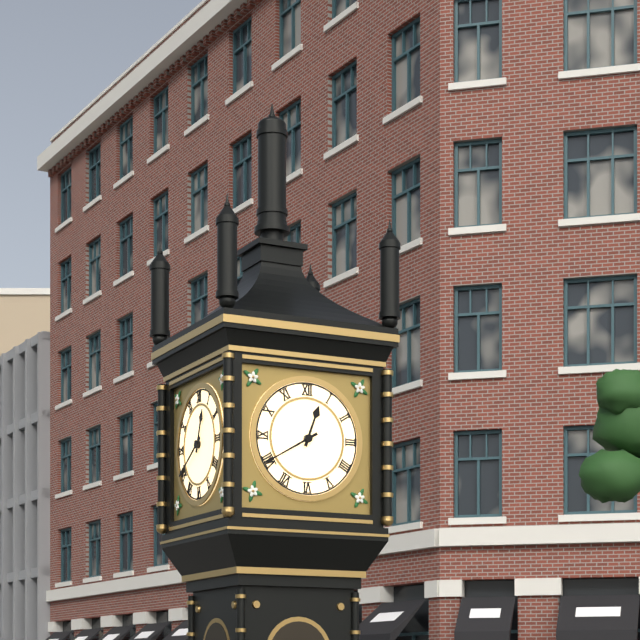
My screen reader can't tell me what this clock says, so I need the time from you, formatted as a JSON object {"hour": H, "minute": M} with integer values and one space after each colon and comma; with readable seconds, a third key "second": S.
{"hour": 12, "minute": 40}
